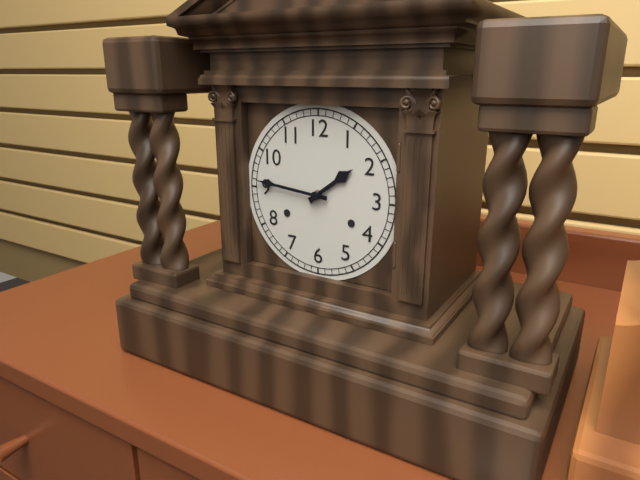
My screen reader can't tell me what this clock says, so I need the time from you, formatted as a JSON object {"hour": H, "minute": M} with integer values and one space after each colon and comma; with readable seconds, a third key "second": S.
{"hour": 1, "minute": 46}
